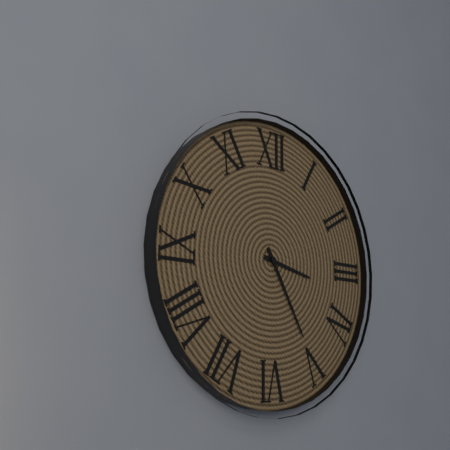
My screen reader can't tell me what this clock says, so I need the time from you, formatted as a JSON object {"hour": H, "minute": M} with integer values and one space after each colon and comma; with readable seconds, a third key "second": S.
{"hour": 3, "minute": 25}
